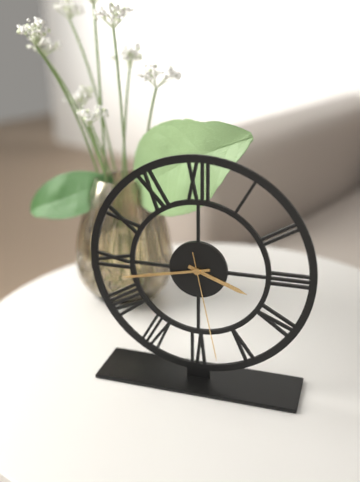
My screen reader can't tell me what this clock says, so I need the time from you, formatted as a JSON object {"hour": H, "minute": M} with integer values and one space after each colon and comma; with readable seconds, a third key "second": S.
{"hour": 3, "minute": 43, "second": 28}
